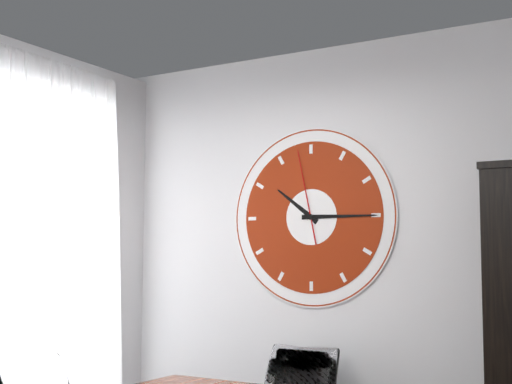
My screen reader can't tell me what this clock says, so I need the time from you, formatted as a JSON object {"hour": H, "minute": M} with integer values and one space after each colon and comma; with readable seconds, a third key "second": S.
{"hour": 10, "minute": 15, "second": 58}
